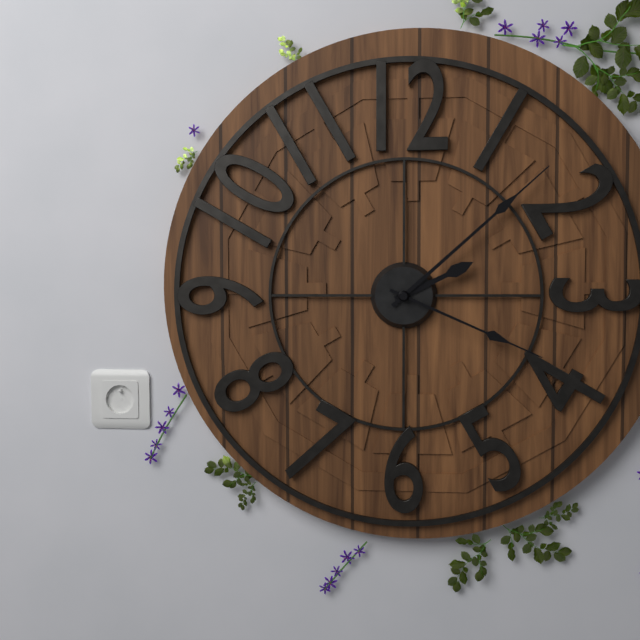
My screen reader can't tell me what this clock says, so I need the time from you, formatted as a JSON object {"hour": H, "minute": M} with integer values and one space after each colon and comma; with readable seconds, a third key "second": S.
{"hour": 2, "minute": 8, "second": 19}
